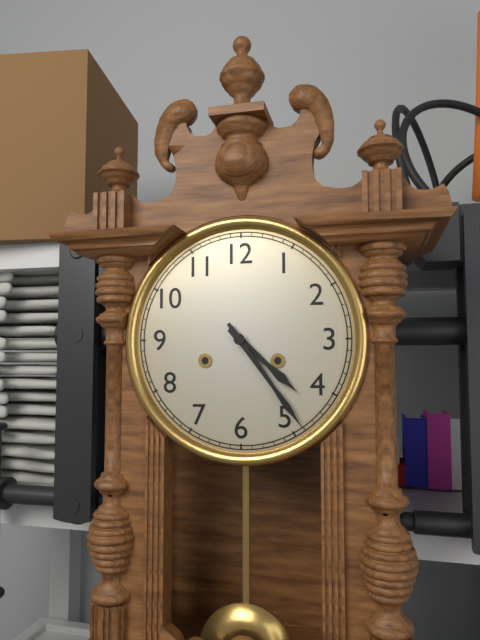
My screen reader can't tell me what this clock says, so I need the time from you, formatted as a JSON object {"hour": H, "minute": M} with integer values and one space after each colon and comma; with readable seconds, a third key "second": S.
{"hour": 4, "minute": 24}
